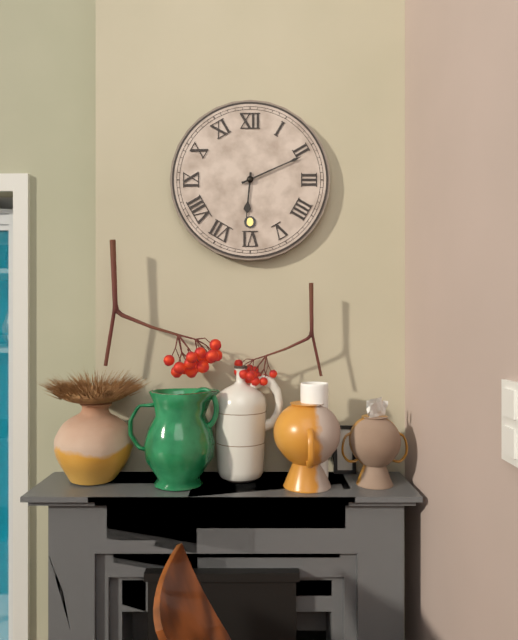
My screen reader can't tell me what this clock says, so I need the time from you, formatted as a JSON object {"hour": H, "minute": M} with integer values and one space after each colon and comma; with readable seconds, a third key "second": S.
{"hour": 6, "minute": 11}
